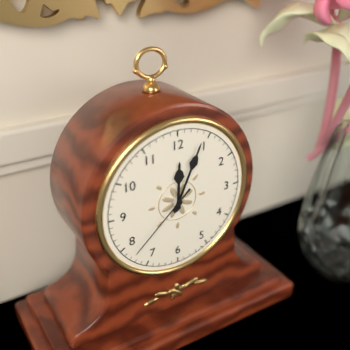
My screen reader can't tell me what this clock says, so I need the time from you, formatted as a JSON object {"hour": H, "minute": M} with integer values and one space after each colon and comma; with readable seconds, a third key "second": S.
{"hour": 12, "minute": 4, "second": 38}
